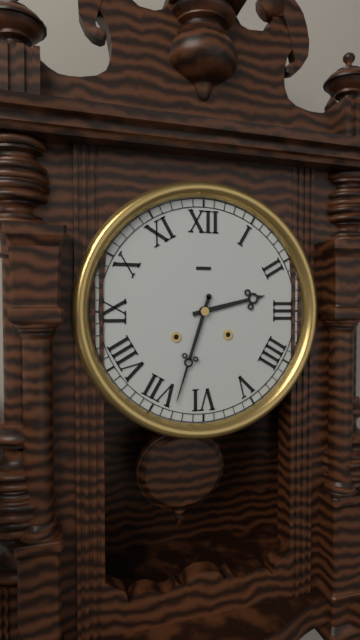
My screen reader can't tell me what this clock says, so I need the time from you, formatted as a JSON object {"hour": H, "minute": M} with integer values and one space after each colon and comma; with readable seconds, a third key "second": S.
{"hour": 2, "minute": 33}
